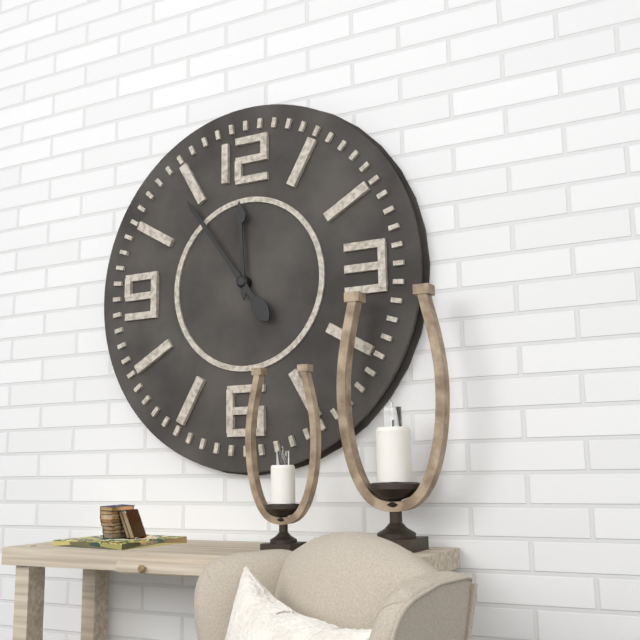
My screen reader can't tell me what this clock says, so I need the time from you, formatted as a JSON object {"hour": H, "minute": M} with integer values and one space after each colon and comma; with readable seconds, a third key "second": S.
{"hour": 11, "minute": 54}
